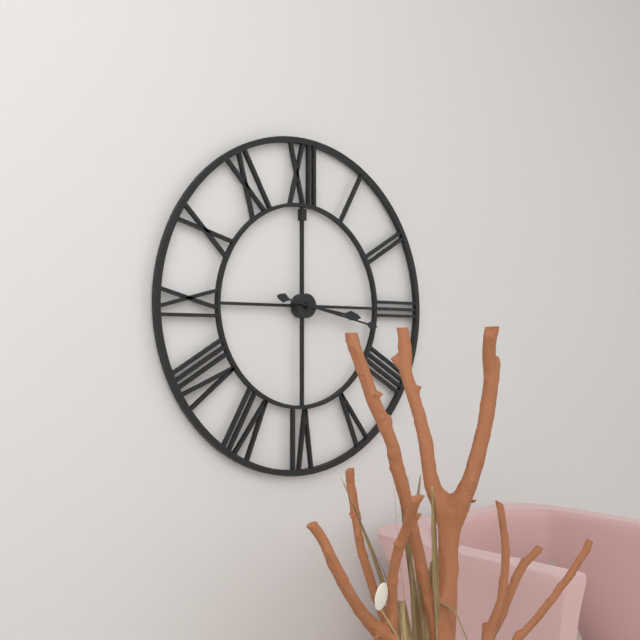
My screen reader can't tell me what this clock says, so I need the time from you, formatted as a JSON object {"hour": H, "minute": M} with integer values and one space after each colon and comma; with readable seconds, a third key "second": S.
{"hour": 3, "minute": 17}
